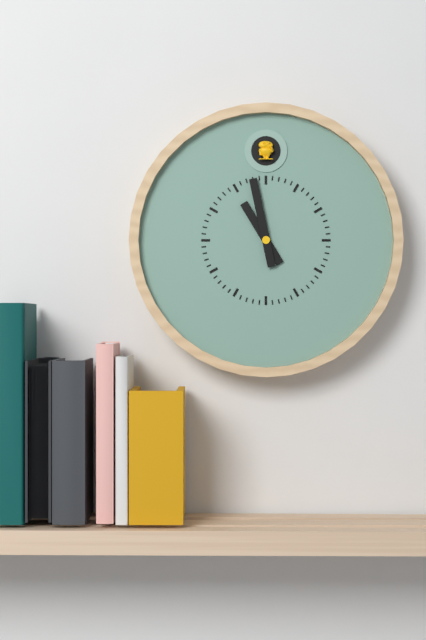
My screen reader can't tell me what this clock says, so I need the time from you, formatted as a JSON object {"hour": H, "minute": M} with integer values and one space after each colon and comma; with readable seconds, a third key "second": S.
{"hour": 10, "minute": 58}
